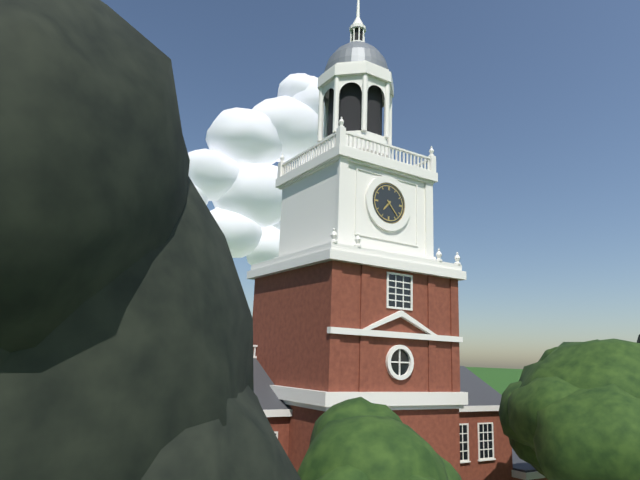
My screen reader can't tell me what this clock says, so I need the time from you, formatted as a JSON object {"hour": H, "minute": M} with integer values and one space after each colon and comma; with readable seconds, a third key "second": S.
{"hour": 7, "minute": 23}
